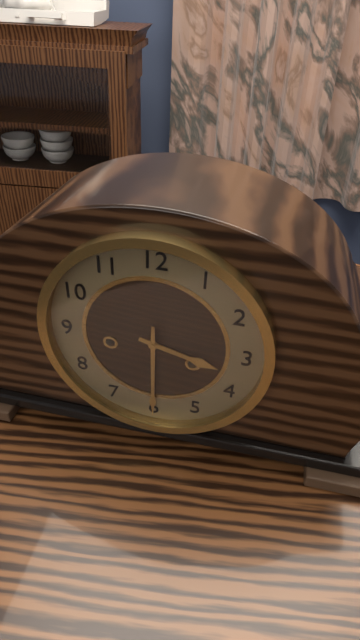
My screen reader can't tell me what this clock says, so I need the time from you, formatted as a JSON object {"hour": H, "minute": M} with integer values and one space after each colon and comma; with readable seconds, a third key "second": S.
{"hour": 3, "minute": 30}
